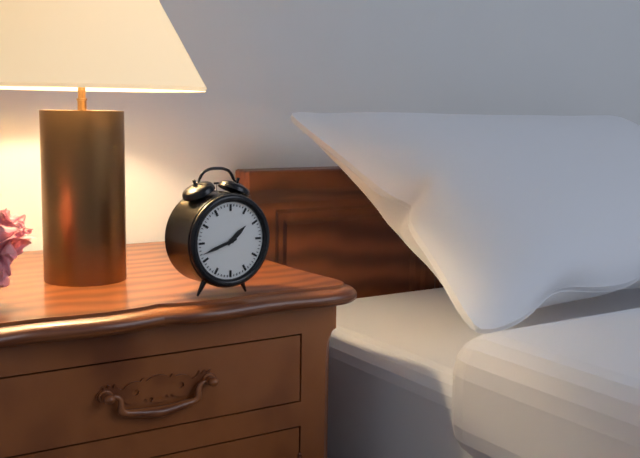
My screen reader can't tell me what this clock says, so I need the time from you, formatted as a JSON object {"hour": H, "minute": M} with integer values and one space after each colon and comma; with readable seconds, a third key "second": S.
{"hour": 1, "minute": 42}
